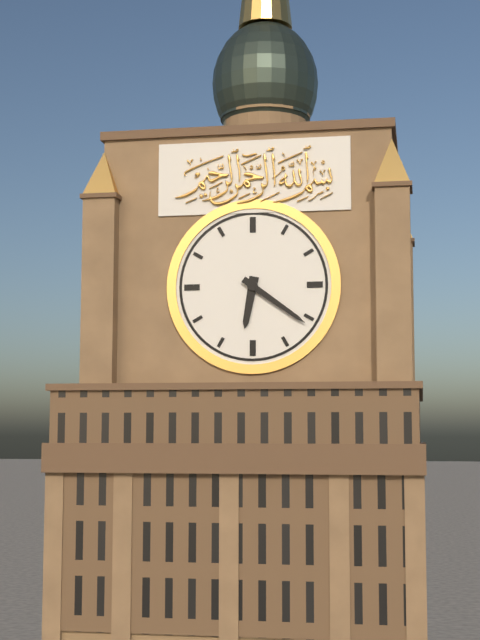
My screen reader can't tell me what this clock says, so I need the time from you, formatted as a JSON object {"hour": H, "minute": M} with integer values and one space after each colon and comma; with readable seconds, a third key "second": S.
{"hour": 6, "minute": 21}
